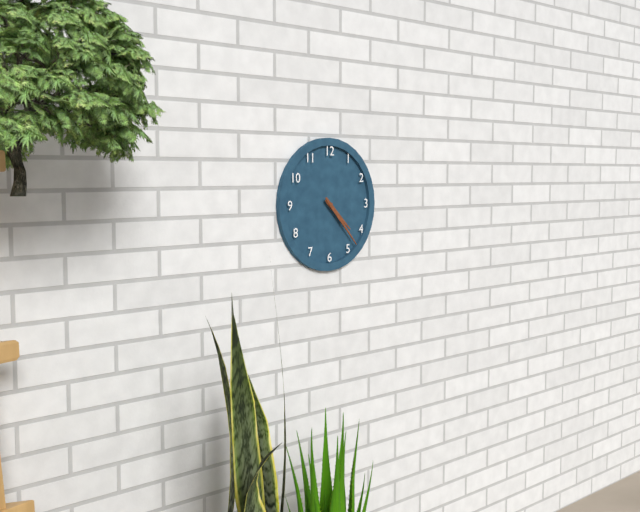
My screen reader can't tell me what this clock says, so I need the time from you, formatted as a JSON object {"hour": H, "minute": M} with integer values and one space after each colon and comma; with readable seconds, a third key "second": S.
{"hour": 4, "minute": 23}
